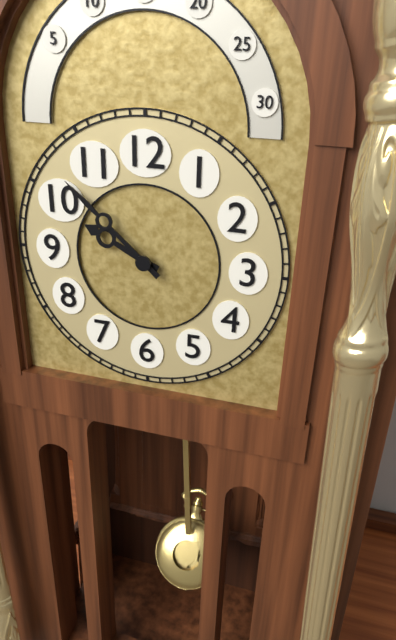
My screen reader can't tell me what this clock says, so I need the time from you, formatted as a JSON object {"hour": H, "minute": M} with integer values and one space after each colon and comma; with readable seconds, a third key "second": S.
{"hour": 9, "minute": 52}
